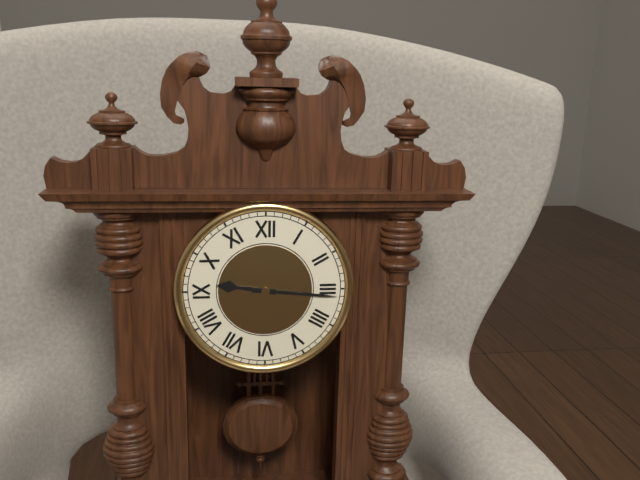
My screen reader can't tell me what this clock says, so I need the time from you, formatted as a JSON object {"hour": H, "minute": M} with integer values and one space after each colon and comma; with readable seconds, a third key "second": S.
{"hour": 9, "minute": 16}
